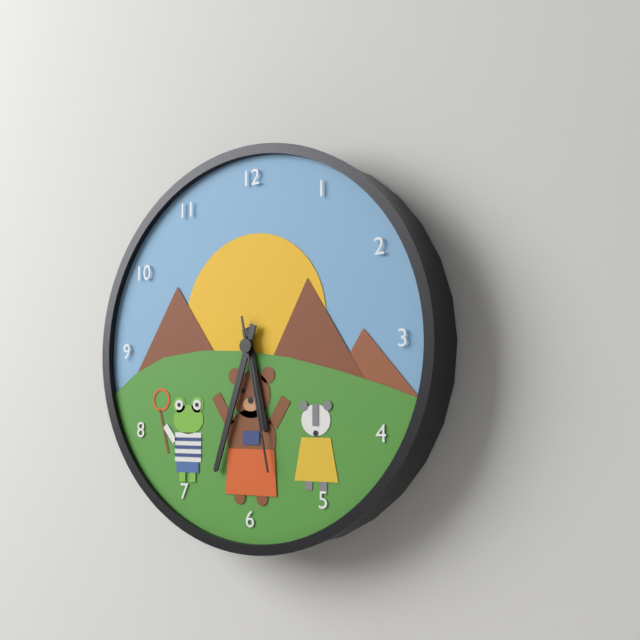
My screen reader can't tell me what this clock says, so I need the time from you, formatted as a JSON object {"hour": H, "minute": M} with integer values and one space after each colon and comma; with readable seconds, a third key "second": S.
{"hour": 5, "minute": 33, "second": 28}
